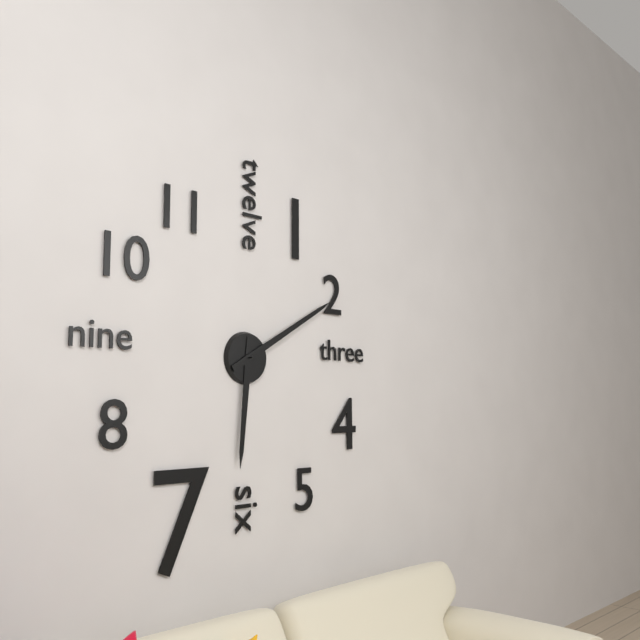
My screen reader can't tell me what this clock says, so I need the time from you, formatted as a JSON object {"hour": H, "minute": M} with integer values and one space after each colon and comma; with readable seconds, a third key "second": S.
{"hour": 6, "minute": 10}
